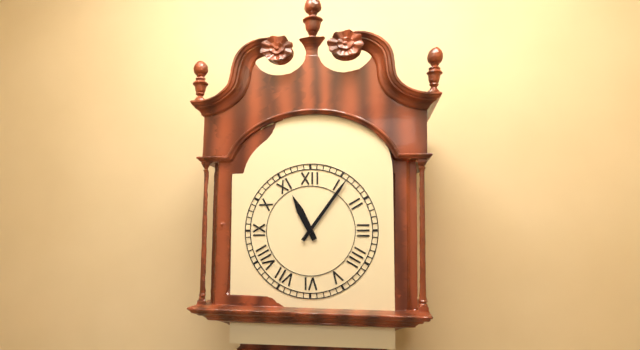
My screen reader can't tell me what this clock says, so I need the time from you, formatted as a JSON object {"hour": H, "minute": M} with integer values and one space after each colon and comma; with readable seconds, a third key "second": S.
{"hour": 11, "minute": 6}
